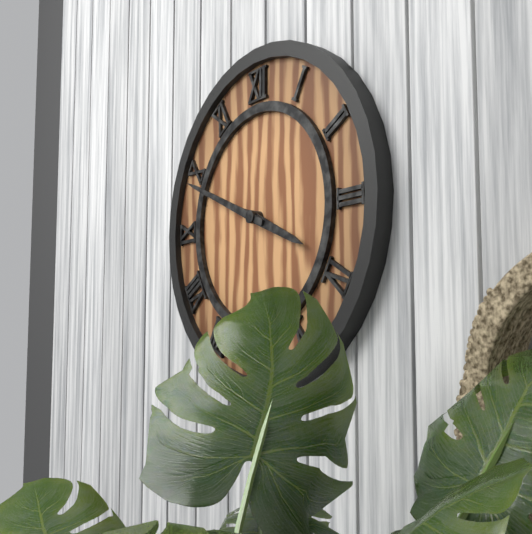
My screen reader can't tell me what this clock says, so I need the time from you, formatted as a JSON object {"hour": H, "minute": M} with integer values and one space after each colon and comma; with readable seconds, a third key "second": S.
{"hour": 3, "minute": 49}
